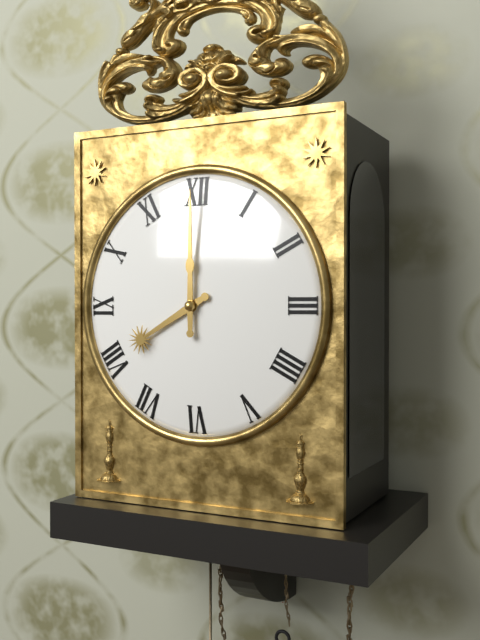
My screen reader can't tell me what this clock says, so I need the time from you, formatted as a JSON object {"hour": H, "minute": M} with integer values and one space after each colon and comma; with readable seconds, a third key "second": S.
{"hour": 8, "minute": 0}
